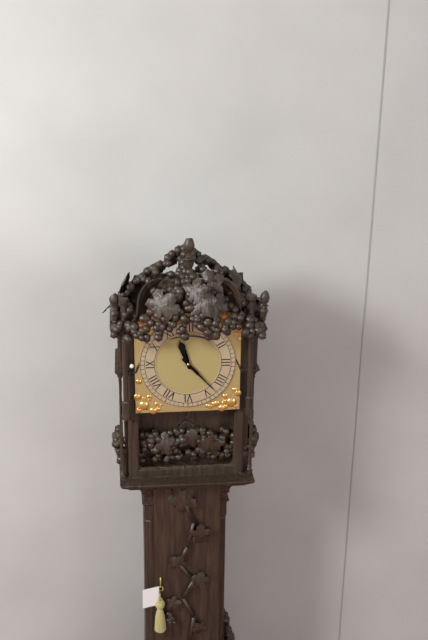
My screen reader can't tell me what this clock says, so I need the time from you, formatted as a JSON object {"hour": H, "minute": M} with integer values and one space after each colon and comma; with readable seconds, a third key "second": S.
{"hour": 11, "minute": 23}
